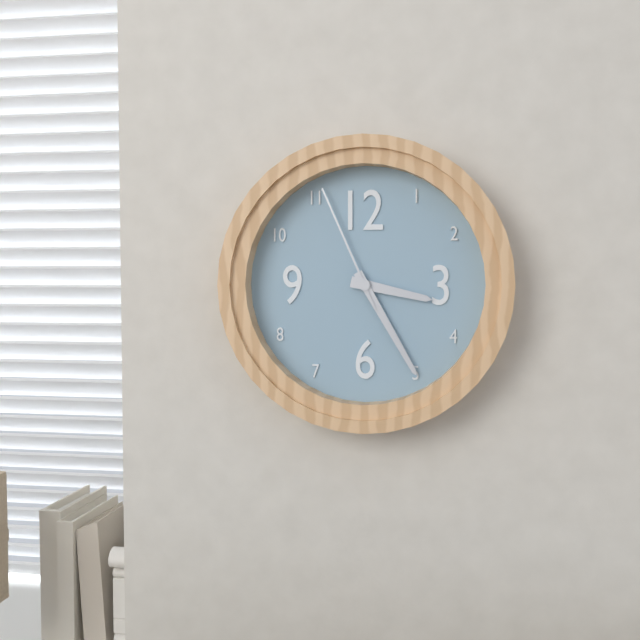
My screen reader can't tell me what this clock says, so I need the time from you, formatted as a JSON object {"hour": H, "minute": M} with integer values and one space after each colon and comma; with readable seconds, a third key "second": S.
{"hour": 3, "minute": 25, "second": 56}
